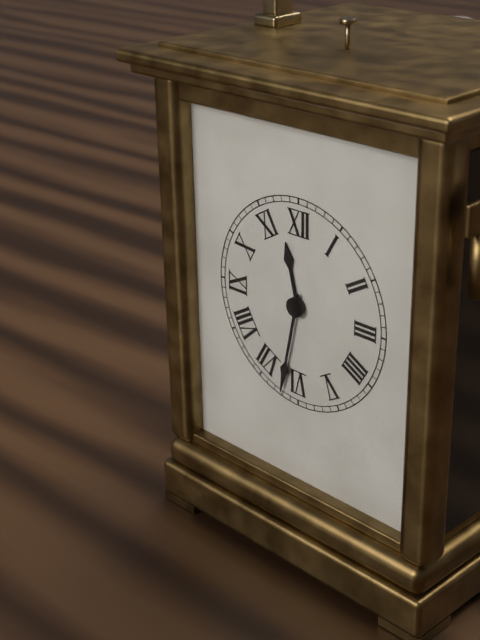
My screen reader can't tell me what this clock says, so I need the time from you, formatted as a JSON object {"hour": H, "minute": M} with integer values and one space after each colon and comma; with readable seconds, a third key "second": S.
{"hour": 11, "minute": 32}
